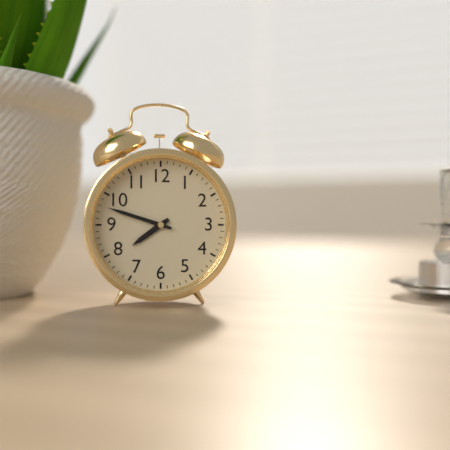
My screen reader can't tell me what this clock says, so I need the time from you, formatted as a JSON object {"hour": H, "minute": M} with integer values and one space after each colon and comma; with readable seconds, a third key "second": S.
{"hour": 7, "minute": 48}
